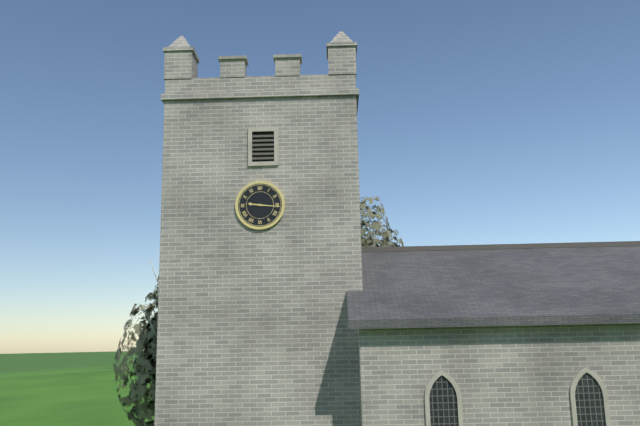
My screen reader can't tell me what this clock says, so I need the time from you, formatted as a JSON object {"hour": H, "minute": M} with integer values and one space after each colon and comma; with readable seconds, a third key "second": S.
{"hour": 9, "minute": 16}
